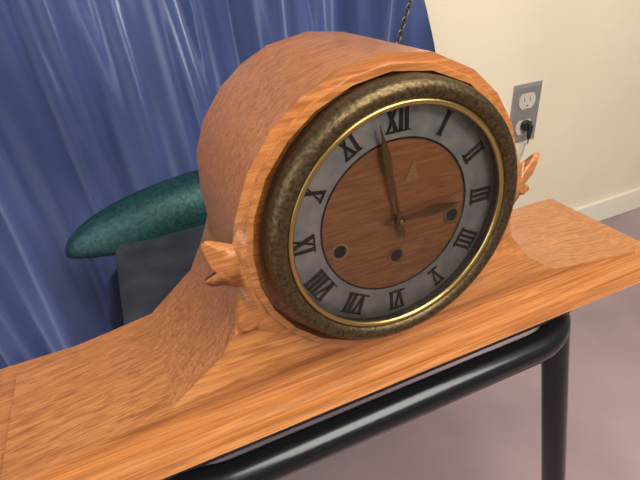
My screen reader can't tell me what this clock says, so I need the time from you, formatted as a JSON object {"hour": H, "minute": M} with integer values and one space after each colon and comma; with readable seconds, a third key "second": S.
{"hour": 2, "minute": 58}
